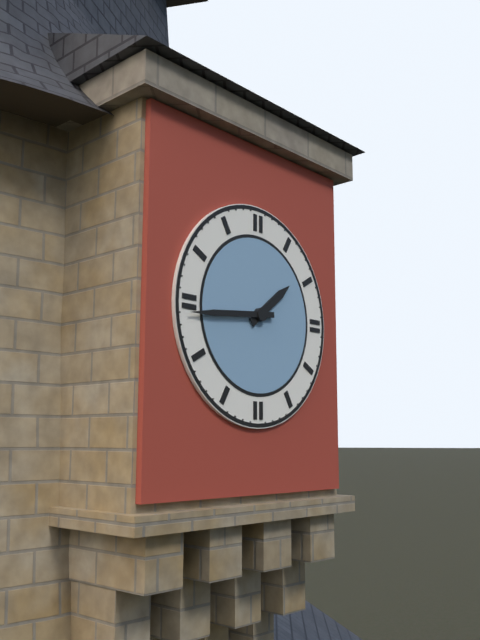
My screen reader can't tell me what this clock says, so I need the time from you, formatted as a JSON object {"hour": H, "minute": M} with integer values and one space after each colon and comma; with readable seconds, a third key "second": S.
{"hour": 1, "minute": 44}
